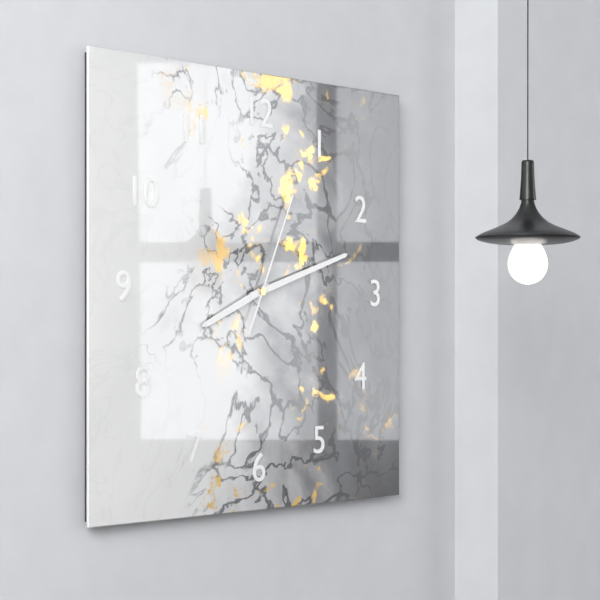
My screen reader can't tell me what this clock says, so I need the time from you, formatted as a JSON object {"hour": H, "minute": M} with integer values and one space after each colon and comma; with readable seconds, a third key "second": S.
{"hour": 8, "minute": 12, "second": 4}
